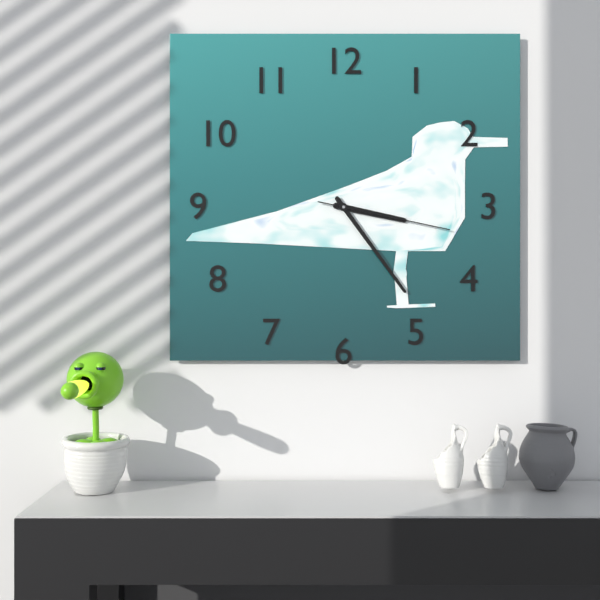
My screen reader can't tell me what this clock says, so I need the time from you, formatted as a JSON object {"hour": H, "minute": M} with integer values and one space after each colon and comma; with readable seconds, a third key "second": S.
{"hour": 3, "minute": 24, "second": 17}
